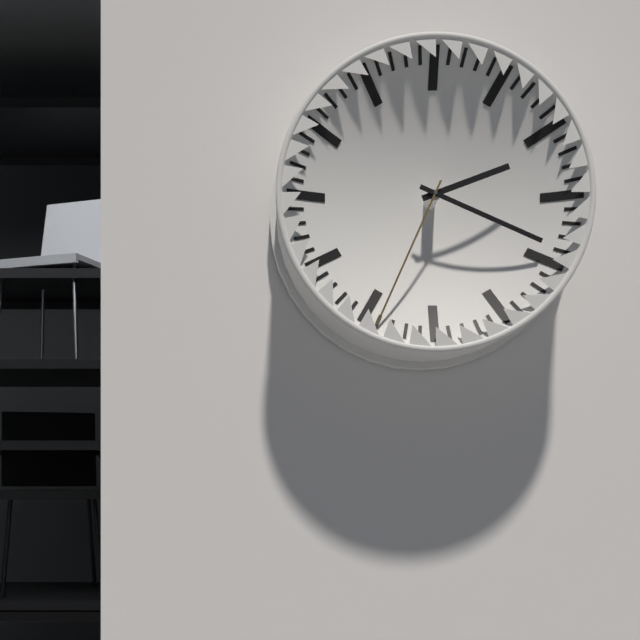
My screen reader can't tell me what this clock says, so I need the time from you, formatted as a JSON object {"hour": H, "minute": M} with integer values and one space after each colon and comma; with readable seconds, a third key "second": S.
{"hour": 2, "minute": 19, "second": 34}
